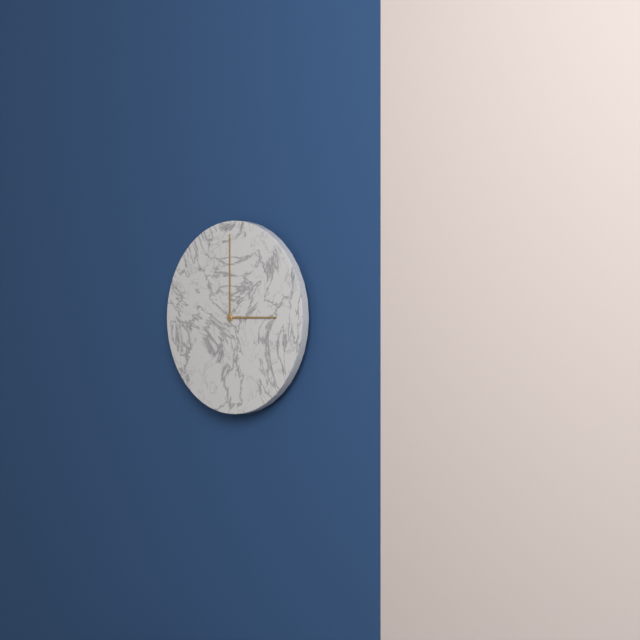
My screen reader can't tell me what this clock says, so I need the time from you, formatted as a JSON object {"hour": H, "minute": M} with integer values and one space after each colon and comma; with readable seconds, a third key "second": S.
{"hour": 3, "minute": 0}
